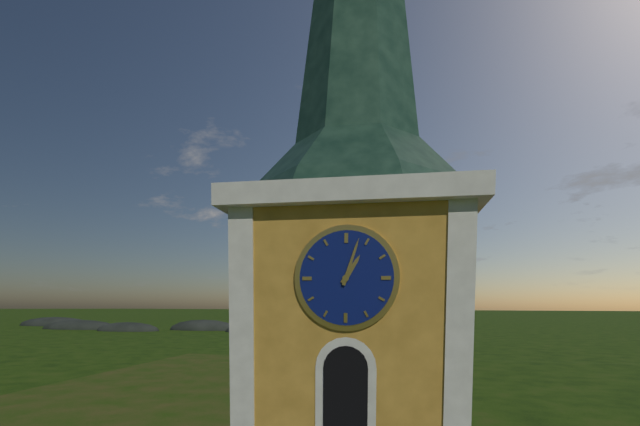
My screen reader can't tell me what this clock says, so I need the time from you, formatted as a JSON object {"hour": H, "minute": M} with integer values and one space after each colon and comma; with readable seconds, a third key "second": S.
{"hour": 1, "minute": 3}
